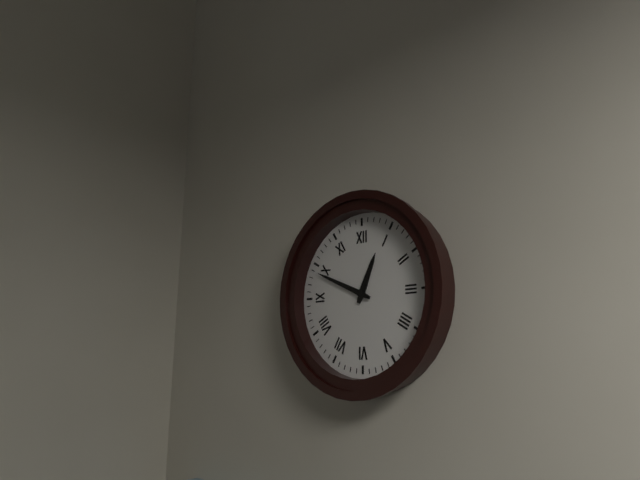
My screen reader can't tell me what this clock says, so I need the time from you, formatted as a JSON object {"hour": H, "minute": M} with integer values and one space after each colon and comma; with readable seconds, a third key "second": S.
{"hour": 12, "minute": 49}
